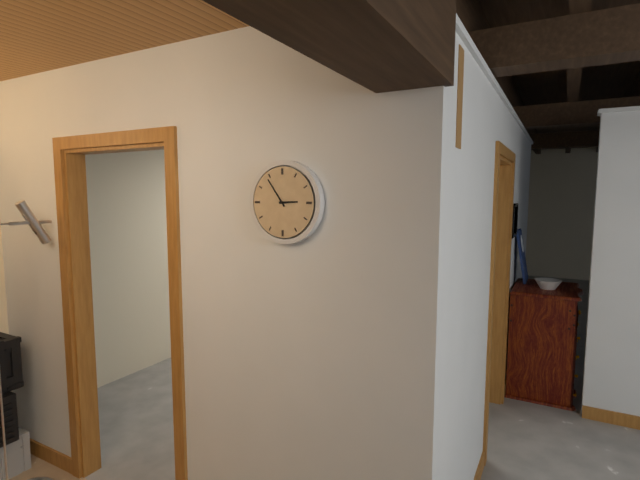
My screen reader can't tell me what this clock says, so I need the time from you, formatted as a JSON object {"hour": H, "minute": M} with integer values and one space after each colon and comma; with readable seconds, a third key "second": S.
{"hour": 2, "minute": 54}
